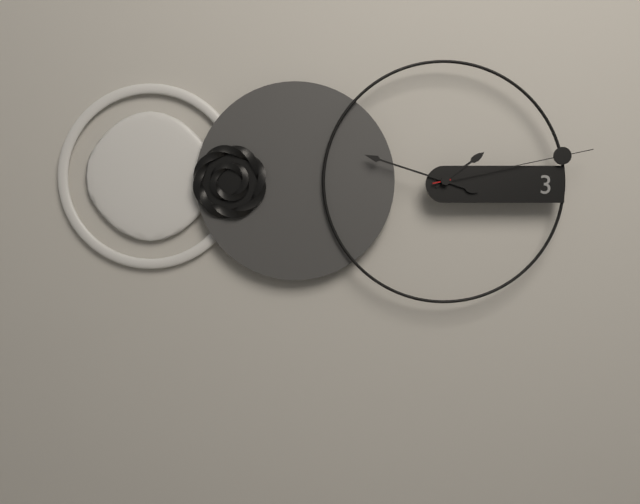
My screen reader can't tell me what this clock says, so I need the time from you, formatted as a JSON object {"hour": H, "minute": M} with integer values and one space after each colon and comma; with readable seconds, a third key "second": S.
{"hour": 1, "minute": 48, "second": 13}
